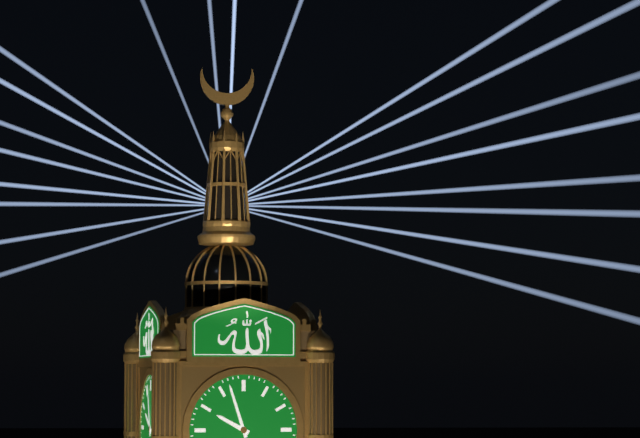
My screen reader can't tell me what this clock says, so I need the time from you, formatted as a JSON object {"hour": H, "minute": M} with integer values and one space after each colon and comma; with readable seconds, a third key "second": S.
{"hour": 9, "minute": 57}
